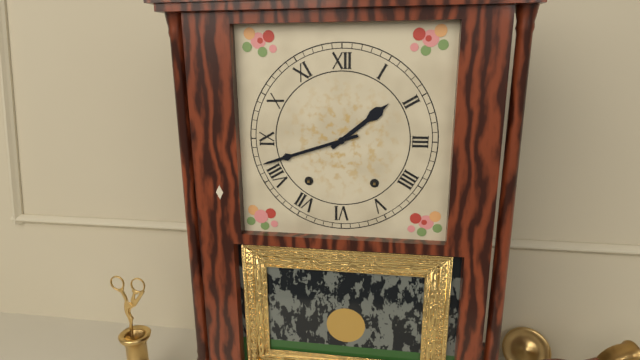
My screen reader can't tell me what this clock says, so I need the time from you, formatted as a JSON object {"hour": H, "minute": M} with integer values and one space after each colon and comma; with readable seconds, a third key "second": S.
{"hour": 1, "minute": 42}
